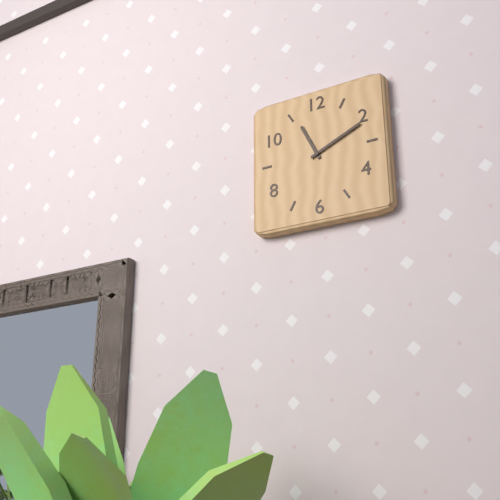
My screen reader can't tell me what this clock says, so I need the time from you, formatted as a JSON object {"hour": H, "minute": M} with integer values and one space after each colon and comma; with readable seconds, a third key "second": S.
{"hour": 11, "minute": 11}
